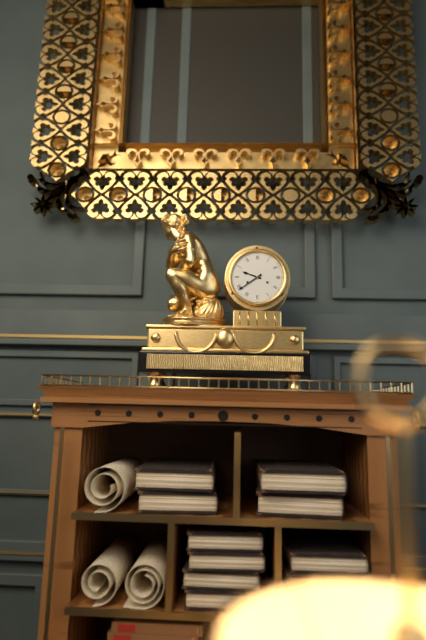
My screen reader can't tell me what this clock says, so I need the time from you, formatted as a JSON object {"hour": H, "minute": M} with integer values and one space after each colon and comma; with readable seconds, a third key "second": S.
{"hour": 9, "minute": 39}
